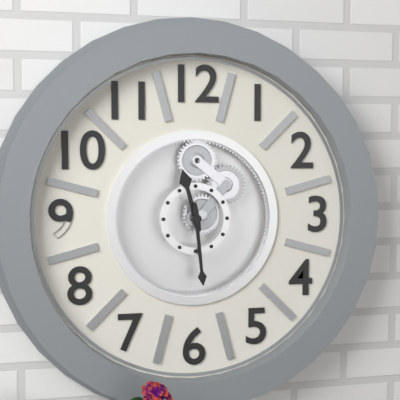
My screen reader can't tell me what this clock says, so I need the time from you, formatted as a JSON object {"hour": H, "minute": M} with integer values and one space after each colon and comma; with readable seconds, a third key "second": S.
{"hour": 11, "minute": 29}
